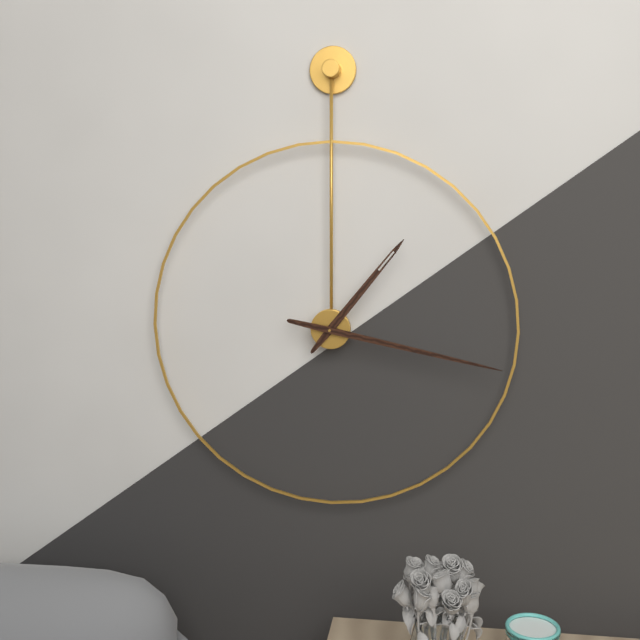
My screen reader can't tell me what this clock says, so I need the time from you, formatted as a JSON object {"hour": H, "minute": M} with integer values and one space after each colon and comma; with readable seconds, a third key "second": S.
{"hour": 1, "minute": 17}
